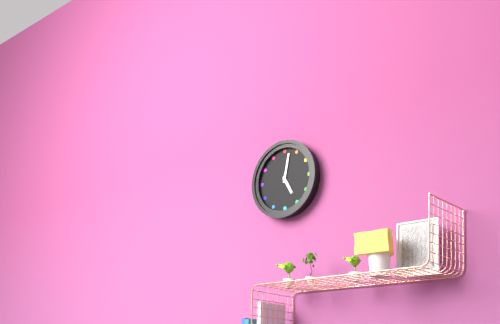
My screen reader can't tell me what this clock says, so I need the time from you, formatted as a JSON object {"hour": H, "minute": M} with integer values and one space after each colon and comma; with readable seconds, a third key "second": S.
{"hour": 5, "minute": 2}
